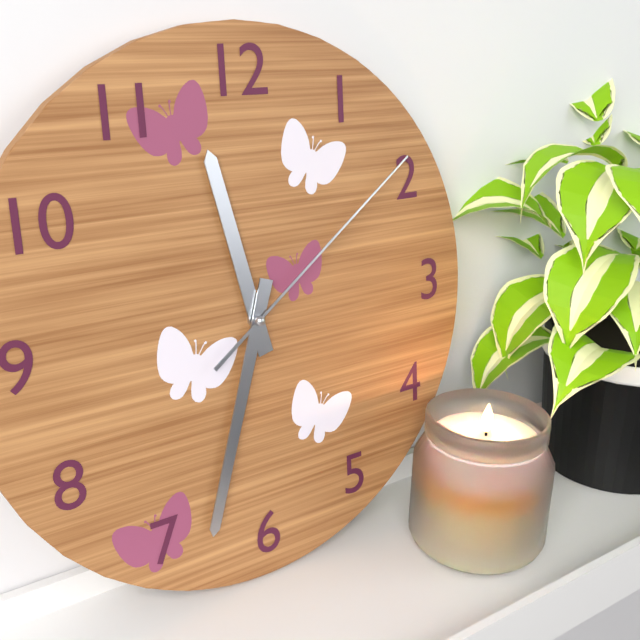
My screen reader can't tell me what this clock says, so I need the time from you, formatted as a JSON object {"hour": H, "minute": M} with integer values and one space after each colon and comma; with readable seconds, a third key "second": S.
{"hour": 11, "minute": 33, "second": 9}
